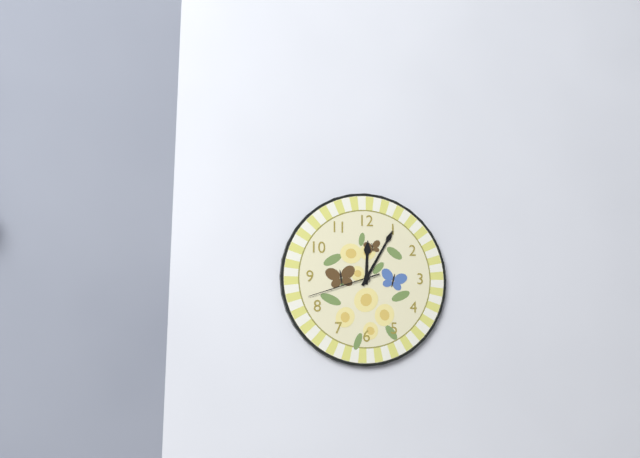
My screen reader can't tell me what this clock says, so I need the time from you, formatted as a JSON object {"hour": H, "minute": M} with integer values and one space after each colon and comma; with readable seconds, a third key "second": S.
{"hour": 12, "minute": 5, "second": 42}
